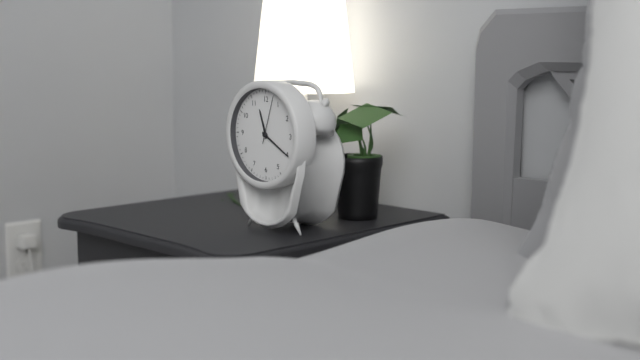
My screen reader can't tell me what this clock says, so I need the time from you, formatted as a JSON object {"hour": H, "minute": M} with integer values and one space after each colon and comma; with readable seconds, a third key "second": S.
{"hour": 11, "minute": 20, "second": 3}
